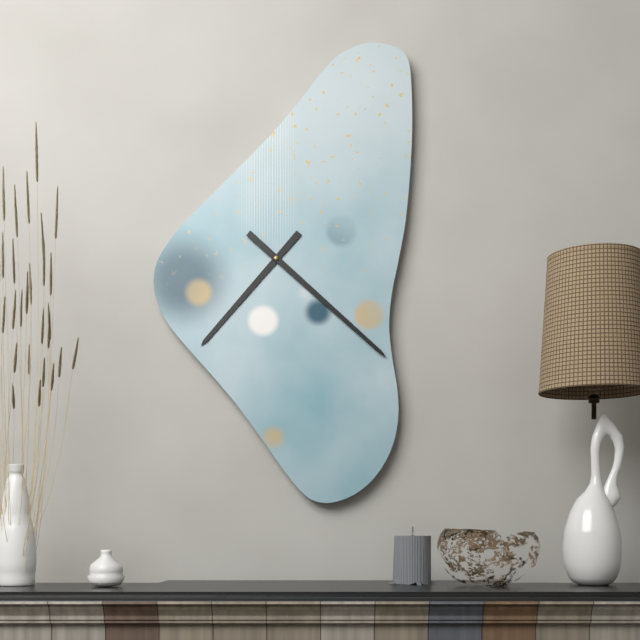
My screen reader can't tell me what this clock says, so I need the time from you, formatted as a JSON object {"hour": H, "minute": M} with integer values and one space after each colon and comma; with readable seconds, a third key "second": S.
{"hour": 7, "minute": 22}
